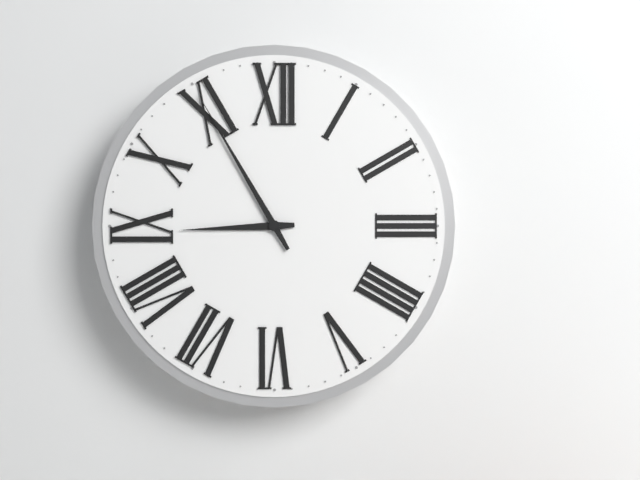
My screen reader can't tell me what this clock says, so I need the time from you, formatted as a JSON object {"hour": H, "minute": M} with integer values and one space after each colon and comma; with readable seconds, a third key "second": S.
{"hour": 8, "minute": 55}
